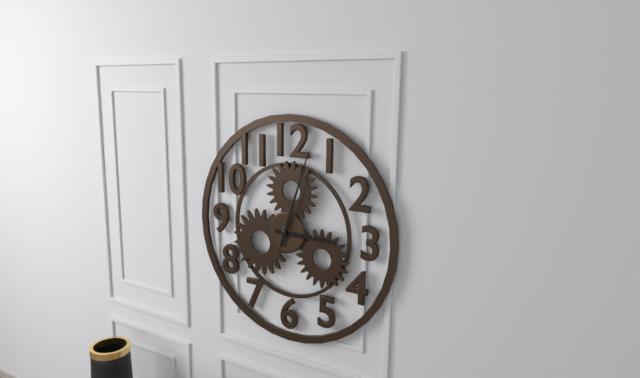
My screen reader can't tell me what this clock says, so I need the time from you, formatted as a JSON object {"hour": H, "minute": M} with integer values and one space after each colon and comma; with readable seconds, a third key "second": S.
{"hour": 3, "minute": 3}
